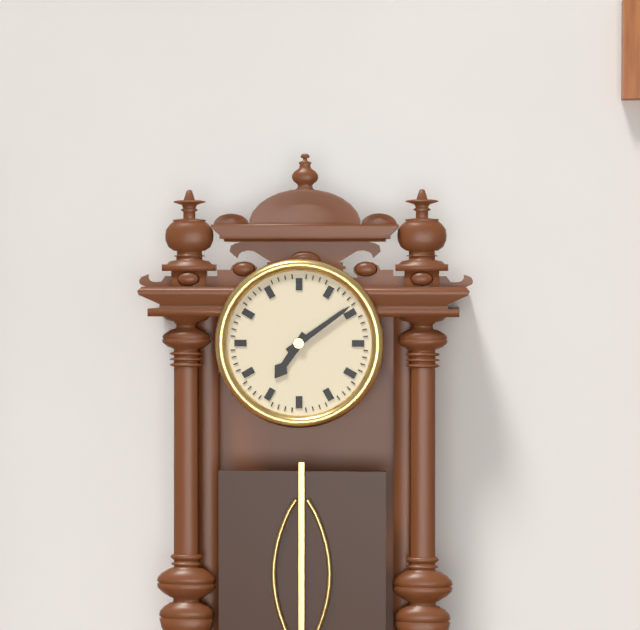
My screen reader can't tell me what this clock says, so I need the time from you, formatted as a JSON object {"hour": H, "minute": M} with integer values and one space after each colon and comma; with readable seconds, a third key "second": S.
{"hour": 7, "minute": 9}
